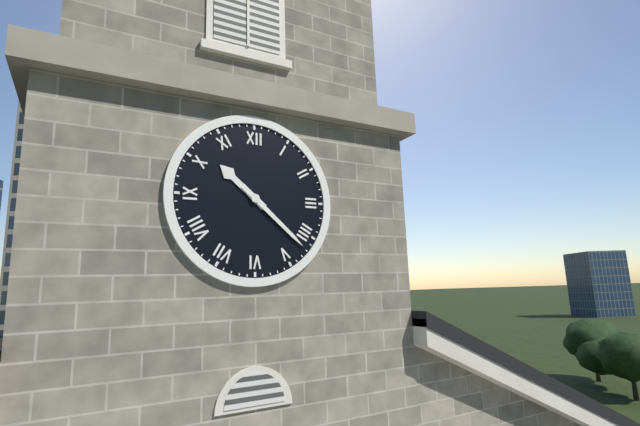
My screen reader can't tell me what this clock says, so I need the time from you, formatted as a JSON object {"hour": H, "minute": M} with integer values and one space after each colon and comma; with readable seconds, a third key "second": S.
{"hour": 10, "minute": 22}
